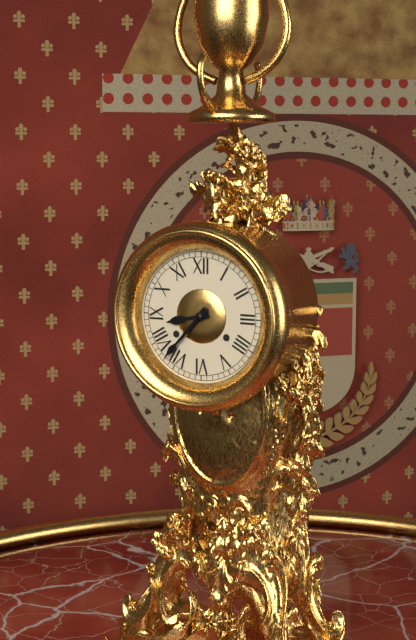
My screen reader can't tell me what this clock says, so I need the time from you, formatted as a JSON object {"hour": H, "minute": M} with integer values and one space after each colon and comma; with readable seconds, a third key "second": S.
{"hour": 8, "minute": 37}
